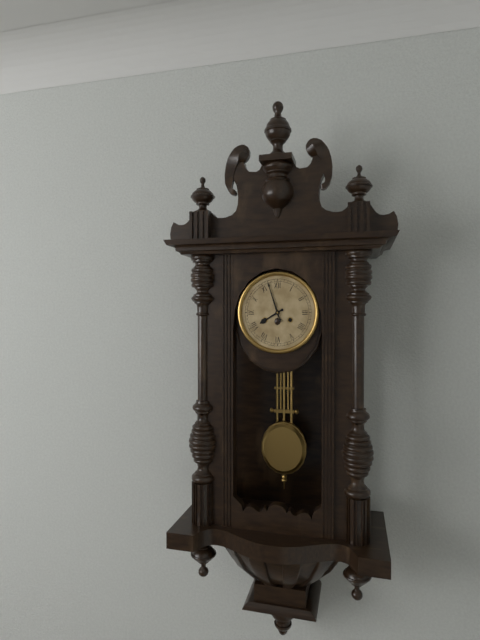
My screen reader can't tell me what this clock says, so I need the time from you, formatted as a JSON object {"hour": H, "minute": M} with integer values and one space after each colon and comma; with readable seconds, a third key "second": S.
{"hour": 7, "minute": 57}
